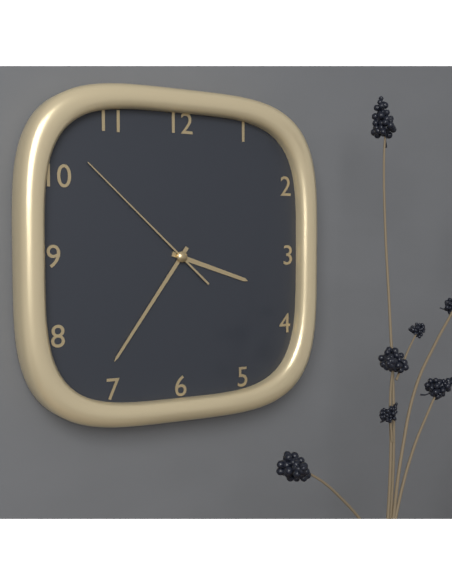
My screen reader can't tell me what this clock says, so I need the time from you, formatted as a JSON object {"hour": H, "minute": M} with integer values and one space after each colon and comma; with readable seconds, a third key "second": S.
{"hour": 3, "minute": 36, "second": 52}
